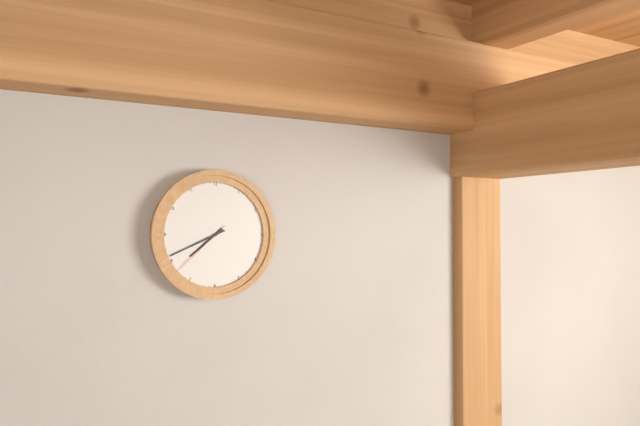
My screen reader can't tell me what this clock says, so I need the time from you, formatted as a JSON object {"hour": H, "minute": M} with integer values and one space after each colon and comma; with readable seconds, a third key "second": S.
{"hour": 7, "minute": 41, "second": 38}
